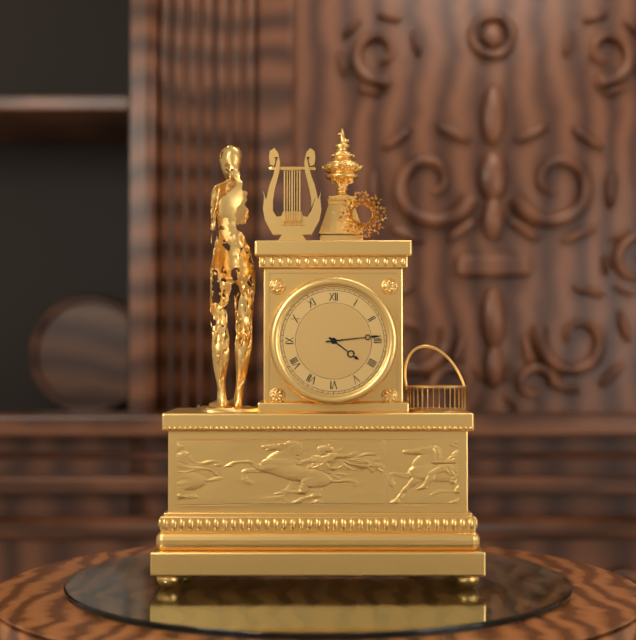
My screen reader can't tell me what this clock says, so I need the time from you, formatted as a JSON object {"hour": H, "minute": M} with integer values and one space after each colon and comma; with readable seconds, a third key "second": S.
{"hour": 4, "minute": 14}
